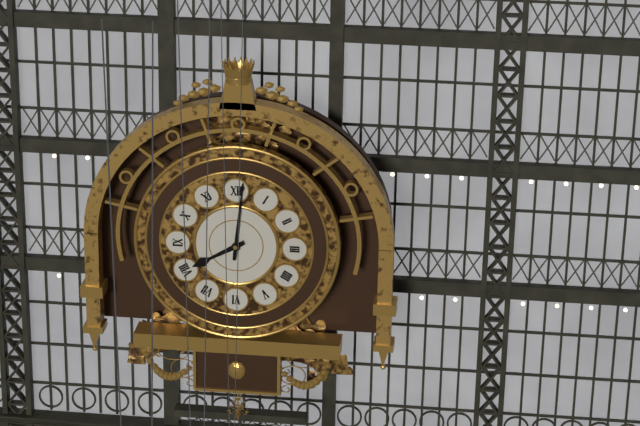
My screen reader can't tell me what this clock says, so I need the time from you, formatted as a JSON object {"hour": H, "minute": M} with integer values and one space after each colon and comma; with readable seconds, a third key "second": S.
{"hour": 8, "minute": 1}
